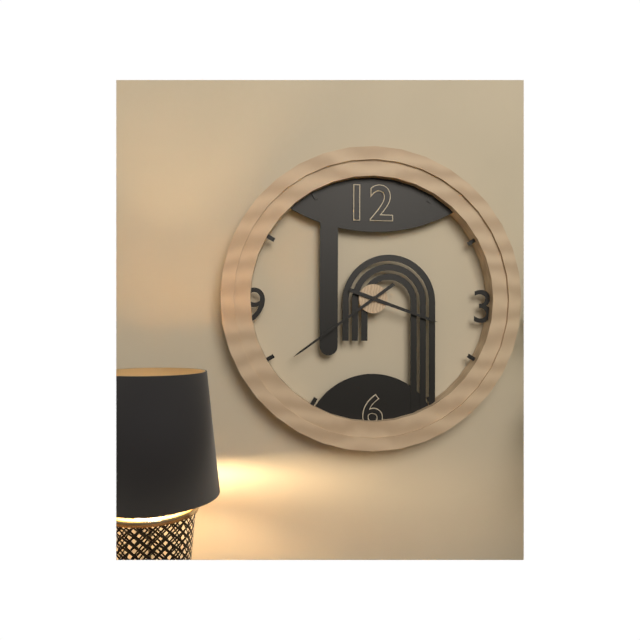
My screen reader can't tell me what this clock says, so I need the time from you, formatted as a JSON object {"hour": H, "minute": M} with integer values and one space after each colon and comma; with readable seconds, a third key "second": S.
{"hour": 3, "minute": 39}
